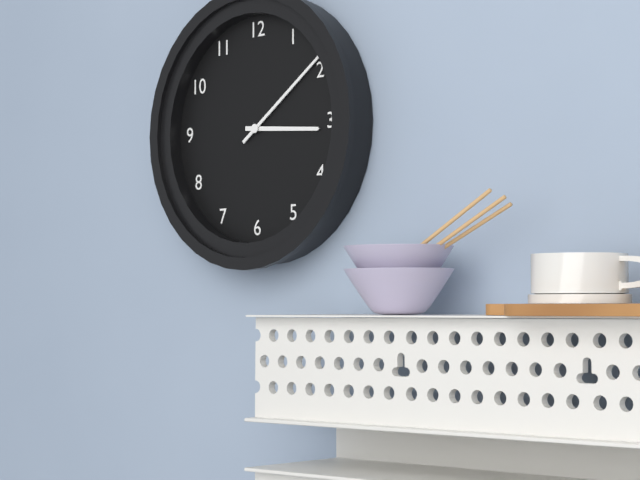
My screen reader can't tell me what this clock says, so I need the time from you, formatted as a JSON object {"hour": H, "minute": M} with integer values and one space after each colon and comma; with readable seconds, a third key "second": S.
{"hour": 3, "minute": 9}
